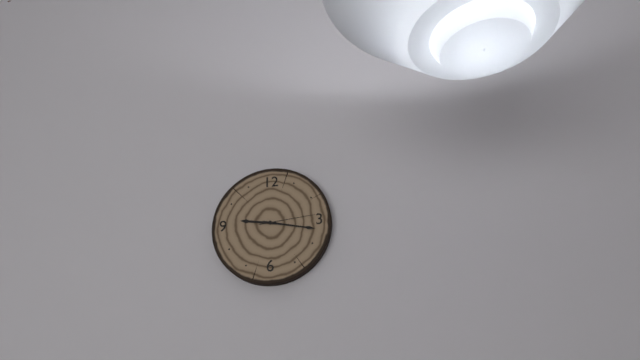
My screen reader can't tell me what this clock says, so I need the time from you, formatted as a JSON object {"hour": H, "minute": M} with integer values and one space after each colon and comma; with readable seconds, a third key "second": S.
{"hour": 9, "minute": 17, "second": 14}
